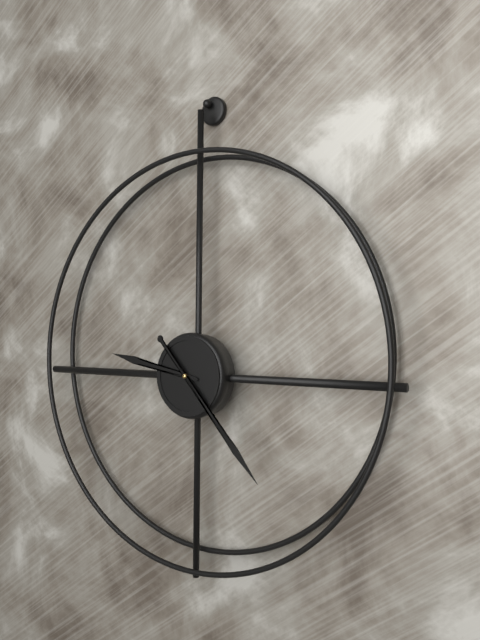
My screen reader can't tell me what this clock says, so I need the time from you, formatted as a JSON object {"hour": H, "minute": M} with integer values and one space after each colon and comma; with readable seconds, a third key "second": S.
{"hour": 9, "minute": 23}
